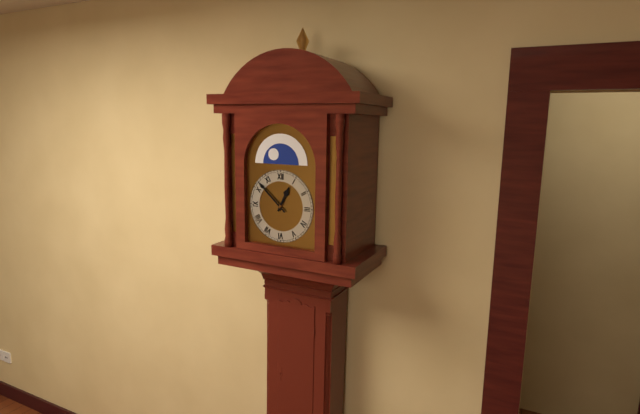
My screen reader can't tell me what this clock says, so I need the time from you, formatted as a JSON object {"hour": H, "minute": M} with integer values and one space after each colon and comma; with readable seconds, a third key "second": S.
{"hour": 12, "minute": 52}
